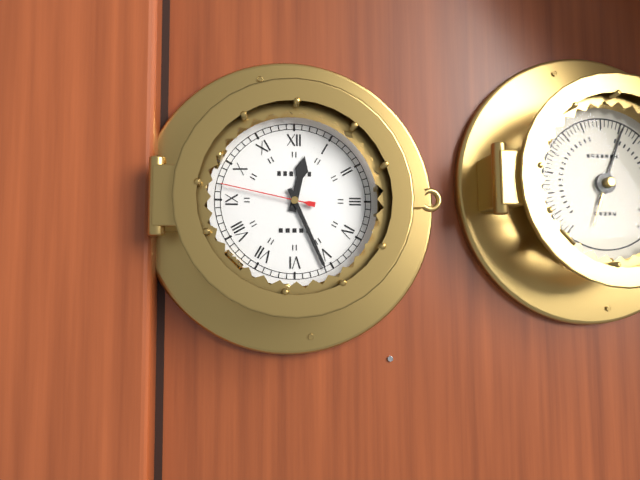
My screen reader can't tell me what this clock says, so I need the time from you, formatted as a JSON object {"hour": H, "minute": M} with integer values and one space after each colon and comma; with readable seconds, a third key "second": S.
{"hour": 12, "minute": 26, "second": 47}
